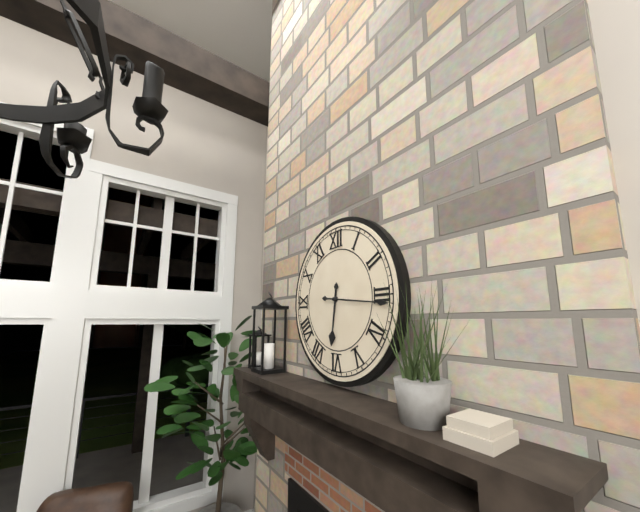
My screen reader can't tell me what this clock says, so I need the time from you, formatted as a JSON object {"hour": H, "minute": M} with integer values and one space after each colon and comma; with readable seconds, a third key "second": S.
{"hour": 6, "minute": 16}
